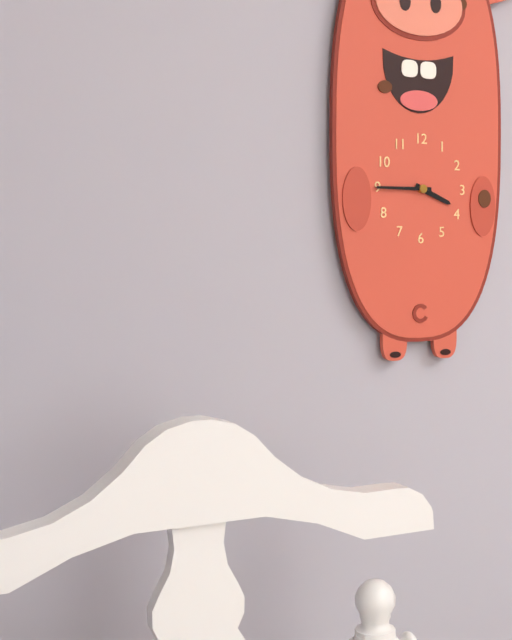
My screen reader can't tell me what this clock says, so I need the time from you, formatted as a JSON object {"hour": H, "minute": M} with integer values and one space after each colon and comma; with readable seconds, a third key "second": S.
{"hour": 3, "minute": 45}
